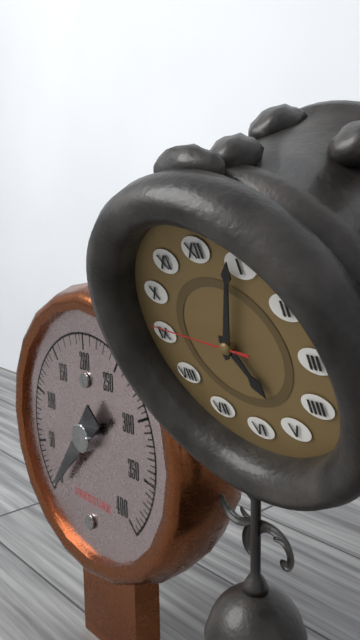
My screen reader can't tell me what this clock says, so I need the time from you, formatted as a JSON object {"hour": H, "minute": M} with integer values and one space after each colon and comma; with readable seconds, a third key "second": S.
{"hour": 5, "minute": 4, "second": 46}
